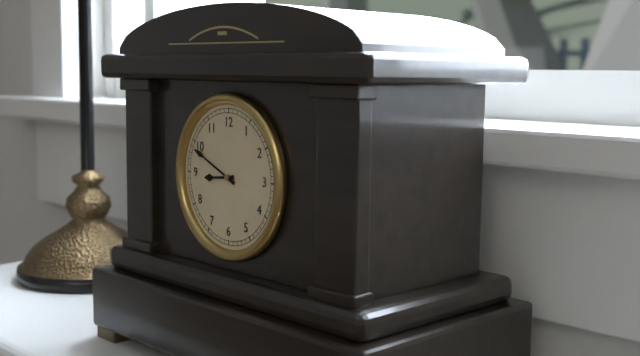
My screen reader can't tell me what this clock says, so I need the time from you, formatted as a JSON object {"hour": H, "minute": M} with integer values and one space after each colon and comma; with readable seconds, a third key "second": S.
{"hour": 8, "minute": 49}
